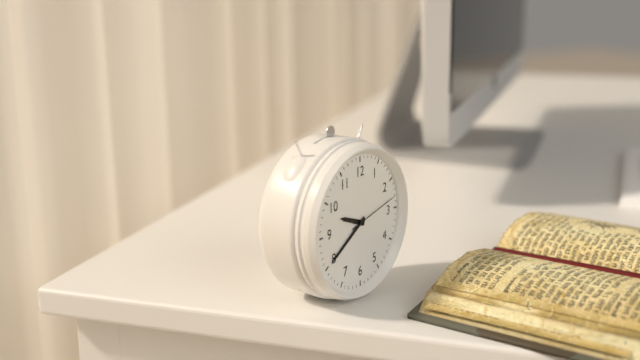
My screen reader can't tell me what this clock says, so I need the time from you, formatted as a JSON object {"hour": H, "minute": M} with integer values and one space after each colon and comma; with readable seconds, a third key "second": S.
{"hour": 9, "minute": 40, "second": 13}
